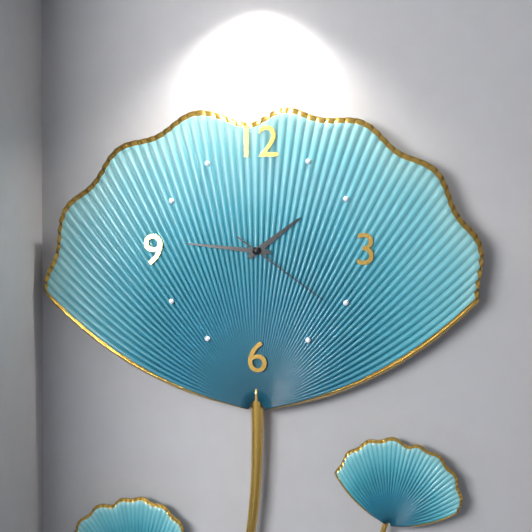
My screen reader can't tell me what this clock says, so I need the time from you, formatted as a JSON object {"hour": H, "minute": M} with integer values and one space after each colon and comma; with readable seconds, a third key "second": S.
{"hour": 1, "minute": 46, "second": 21}
